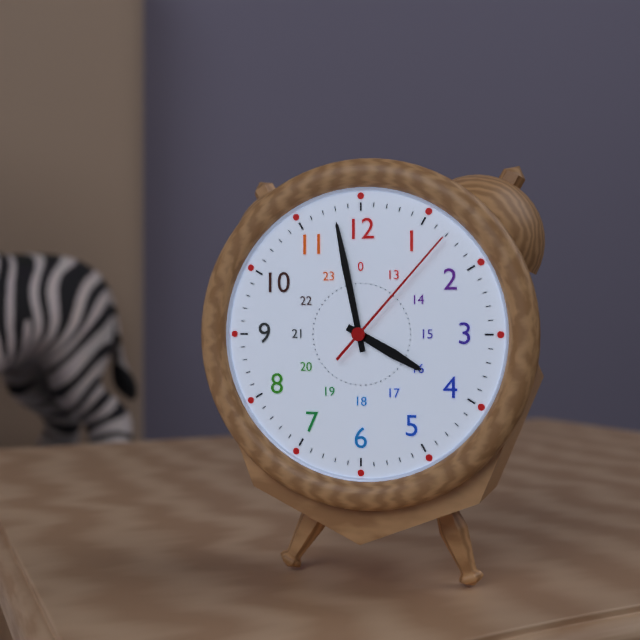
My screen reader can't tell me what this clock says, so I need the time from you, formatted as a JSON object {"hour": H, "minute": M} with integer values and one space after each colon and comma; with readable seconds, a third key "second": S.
{"hour": 3, "minute": 58, "second": 7}
